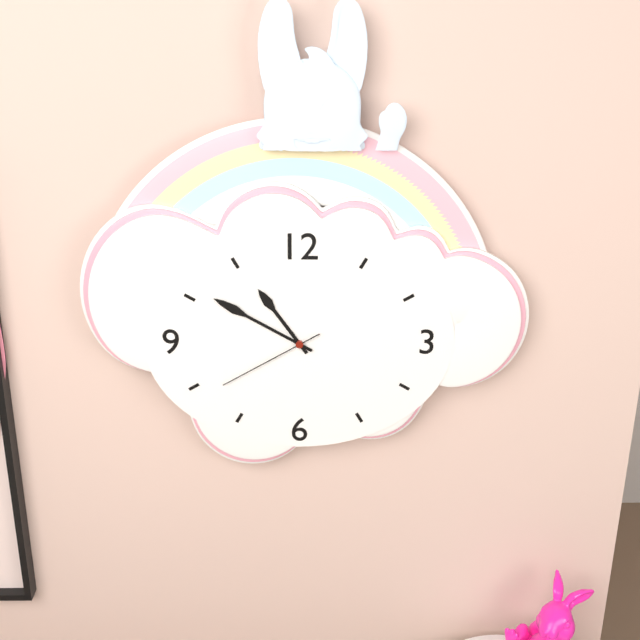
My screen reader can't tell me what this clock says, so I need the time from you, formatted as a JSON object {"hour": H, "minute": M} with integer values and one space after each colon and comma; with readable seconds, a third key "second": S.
{"hour": 10, "minute": 50, "second": 40}
